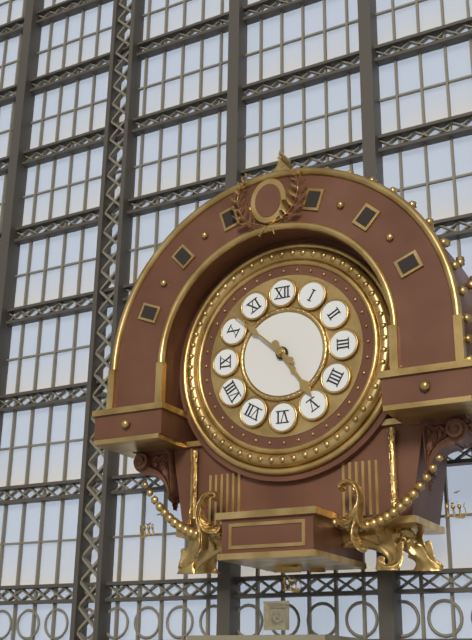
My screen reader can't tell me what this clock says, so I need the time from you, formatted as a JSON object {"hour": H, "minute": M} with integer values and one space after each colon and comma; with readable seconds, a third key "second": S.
{"hour": 4, "minute": 52}
